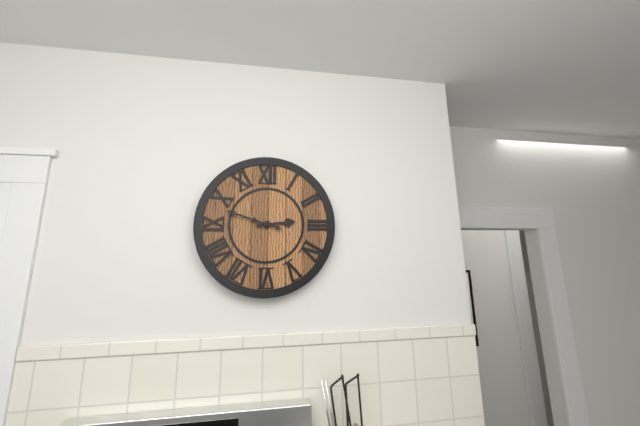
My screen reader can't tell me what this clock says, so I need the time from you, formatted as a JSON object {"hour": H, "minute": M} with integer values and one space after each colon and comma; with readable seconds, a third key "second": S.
{"hour": 2, "minute": 48}
